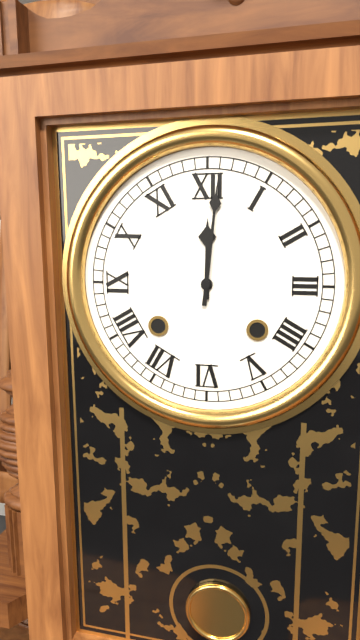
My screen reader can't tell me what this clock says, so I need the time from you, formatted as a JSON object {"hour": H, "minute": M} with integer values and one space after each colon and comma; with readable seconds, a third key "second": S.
{"hour": 12, "minute": 1}
